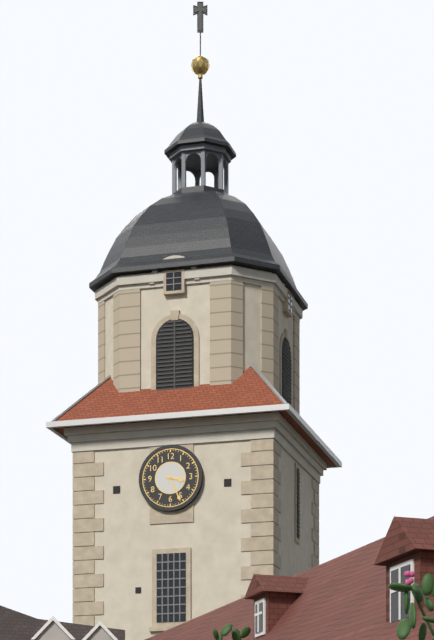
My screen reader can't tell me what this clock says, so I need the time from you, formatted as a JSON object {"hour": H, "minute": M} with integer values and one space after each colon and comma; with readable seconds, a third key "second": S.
{"hour": 3, "minute": 26}
